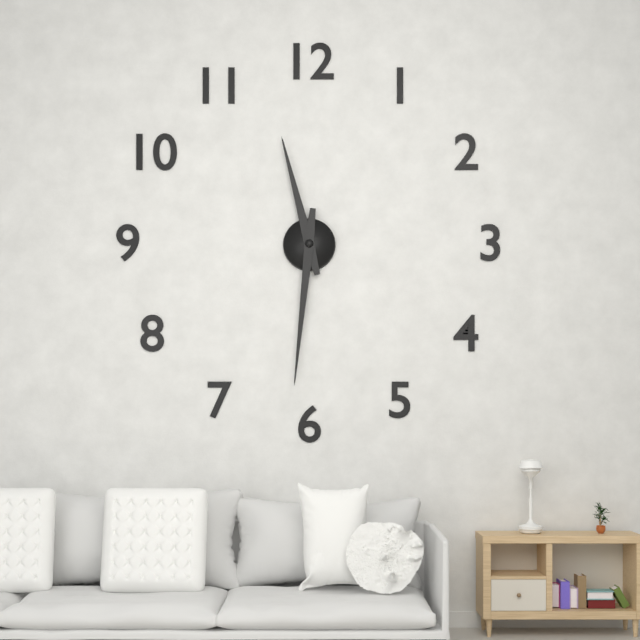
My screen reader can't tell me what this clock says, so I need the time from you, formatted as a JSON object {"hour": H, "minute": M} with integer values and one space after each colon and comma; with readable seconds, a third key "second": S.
{"hour": 11, "minute": 31}
